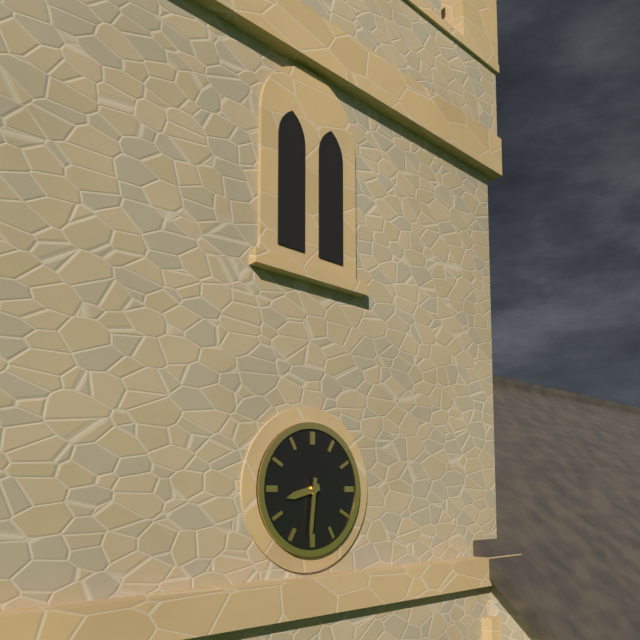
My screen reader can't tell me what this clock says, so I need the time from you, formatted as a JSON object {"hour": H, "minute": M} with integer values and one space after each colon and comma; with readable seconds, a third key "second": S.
{"hour": 8, "minute": 31}
